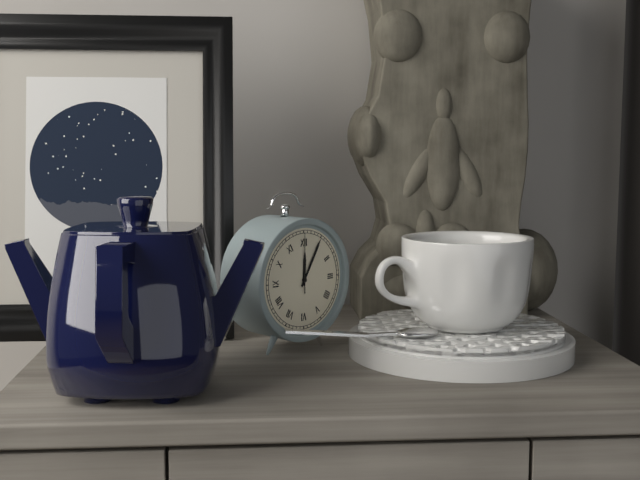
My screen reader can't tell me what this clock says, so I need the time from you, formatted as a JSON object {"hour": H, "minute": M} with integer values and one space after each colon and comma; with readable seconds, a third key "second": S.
{"hour": 12, "minute": 5, "second": 0}
